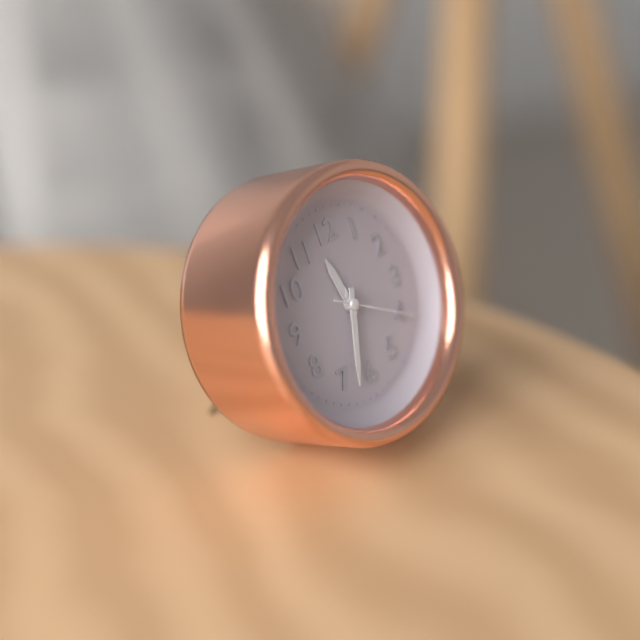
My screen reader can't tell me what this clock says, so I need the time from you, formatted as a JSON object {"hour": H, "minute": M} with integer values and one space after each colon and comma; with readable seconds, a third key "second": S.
{"hour": 11, "minute": 33, "second": 20}
